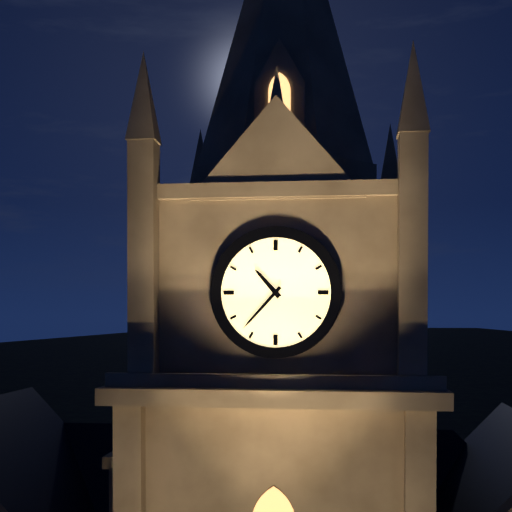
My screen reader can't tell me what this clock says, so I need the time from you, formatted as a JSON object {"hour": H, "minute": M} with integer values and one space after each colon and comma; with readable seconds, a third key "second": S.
{"hour": 10, "minute": 37}
